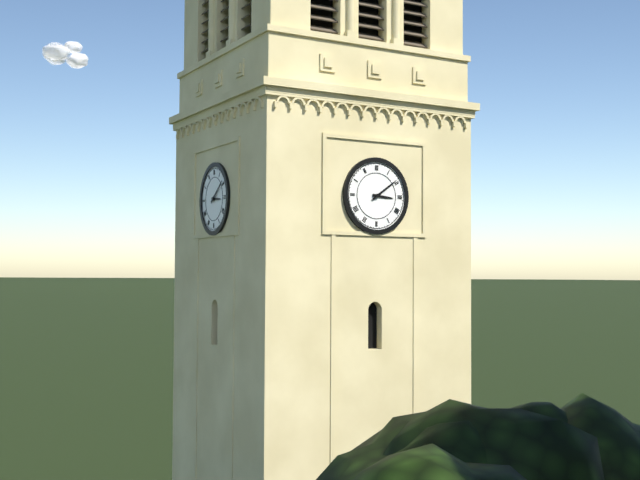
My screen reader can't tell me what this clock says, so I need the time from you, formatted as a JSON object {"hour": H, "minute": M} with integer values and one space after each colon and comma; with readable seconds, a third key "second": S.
{"hour": 3, "minute": 9}
